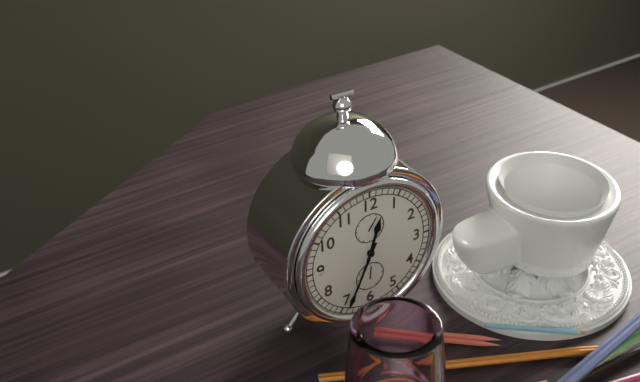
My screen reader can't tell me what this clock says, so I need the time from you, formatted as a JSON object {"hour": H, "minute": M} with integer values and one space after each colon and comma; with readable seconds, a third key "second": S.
{"hour": 12, "minute": 34}
